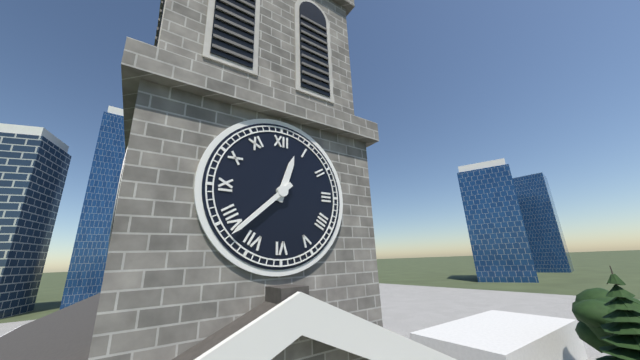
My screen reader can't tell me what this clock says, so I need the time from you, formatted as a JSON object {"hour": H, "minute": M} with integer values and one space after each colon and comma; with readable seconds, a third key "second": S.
{"hour": 12, "minute": 38}
